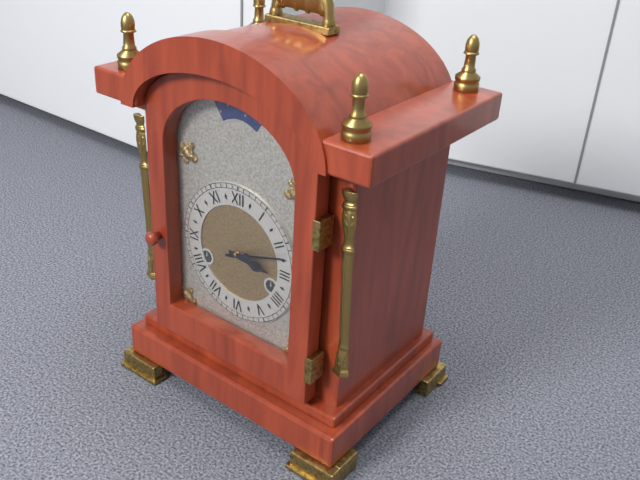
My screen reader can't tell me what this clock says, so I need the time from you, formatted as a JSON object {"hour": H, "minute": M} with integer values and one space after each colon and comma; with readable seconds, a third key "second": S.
{"hour": 3, "minute": 12}
